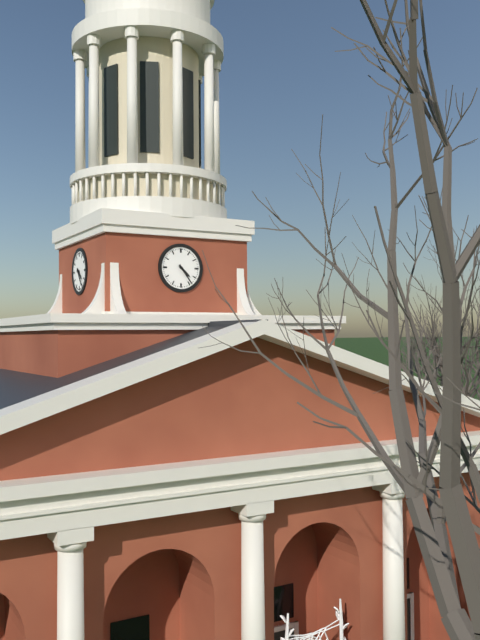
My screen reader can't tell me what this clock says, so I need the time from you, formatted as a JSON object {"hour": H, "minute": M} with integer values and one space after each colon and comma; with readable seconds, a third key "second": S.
{"hour": 4, "minute": 24}
